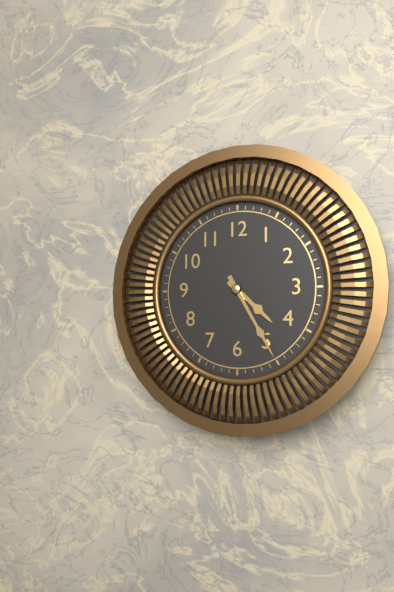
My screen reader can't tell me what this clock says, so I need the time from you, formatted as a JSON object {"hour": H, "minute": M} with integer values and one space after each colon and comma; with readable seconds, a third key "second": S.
{"hour": 4, "minute": 25}
